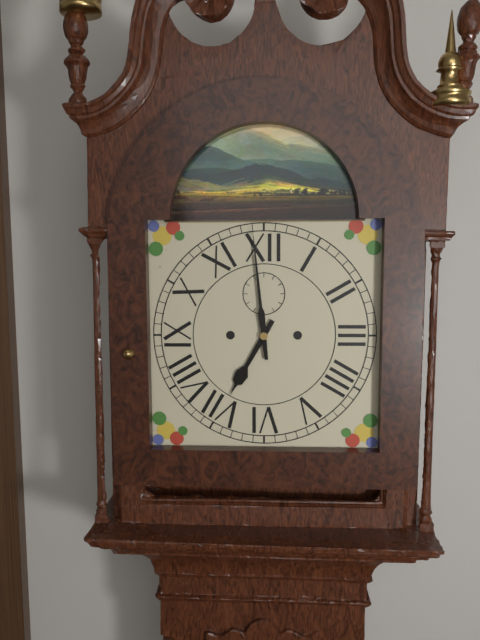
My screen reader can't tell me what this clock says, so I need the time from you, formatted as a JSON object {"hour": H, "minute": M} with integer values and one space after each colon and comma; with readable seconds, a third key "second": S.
{"hour": 6, "minute": 59}
